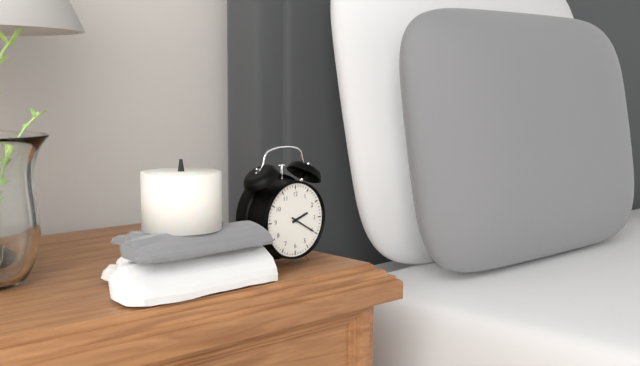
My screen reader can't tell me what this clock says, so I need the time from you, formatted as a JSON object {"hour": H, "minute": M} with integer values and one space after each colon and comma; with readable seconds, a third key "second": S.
{"hour": 2, "minute": 20}
